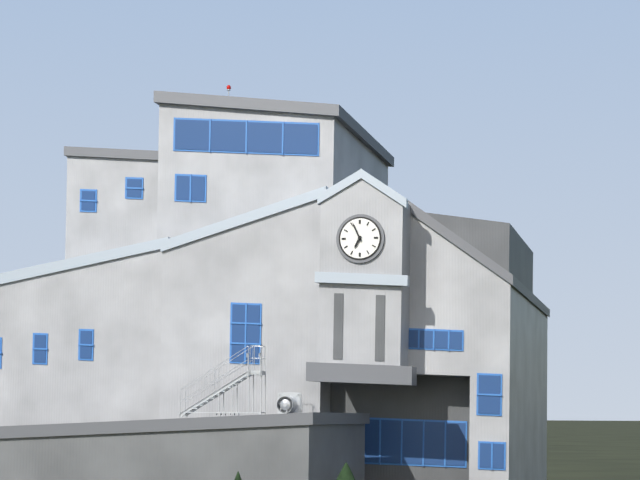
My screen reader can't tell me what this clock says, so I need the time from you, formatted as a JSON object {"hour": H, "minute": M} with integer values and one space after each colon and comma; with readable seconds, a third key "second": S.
{"hour": 6, "minute": 56}
